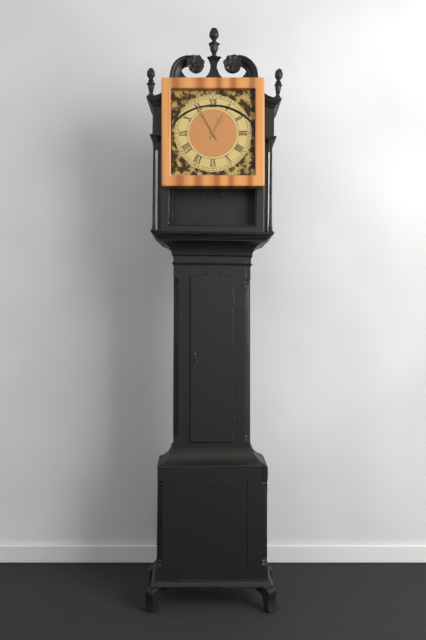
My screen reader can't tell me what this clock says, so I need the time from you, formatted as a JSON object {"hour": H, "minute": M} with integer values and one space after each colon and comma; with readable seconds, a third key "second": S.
{"hour": 12, "minute": 55}
